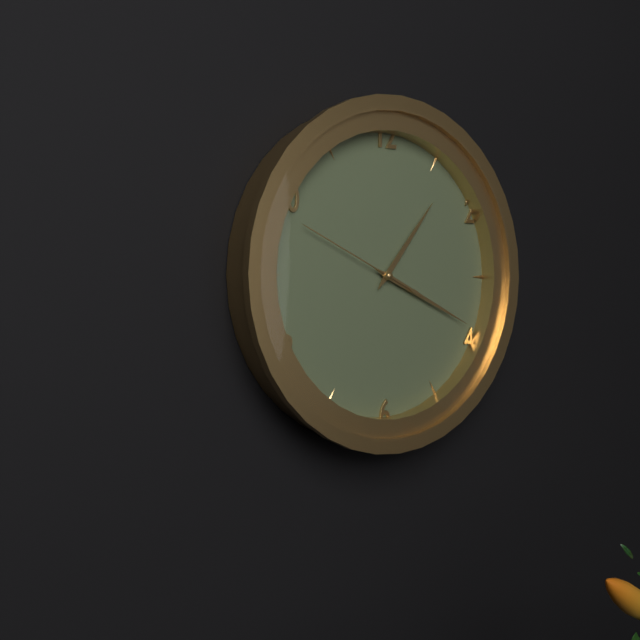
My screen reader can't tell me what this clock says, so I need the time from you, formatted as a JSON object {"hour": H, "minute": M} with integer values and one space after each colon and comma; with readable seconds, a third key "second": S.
{"hour": 1, "minute": 19, "second": 49}
